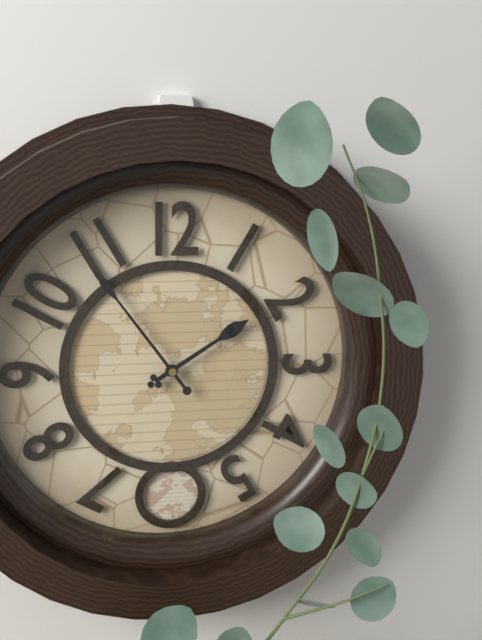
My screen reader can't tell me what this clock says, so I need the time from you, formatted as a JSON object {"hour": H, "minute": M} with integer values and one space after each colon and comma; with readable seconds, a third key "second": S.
{"hour": 1, "minute": 54}
